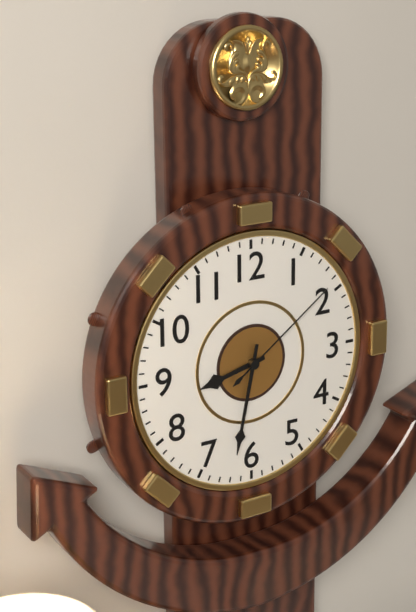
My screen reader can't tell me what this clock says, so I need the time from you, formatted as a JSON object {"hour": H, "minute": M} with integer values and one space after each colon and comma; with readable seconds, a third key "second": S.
{"hour": 8, "minute": 32, "second": 9}
